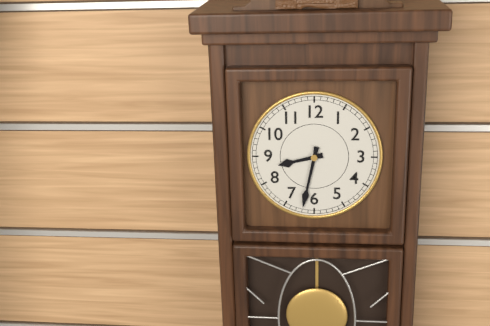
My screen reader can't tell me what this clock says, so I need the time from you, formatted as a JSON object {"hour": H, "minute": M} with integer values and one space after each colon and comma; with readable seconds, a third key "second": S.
{"hour": 8, "minute": 32}
